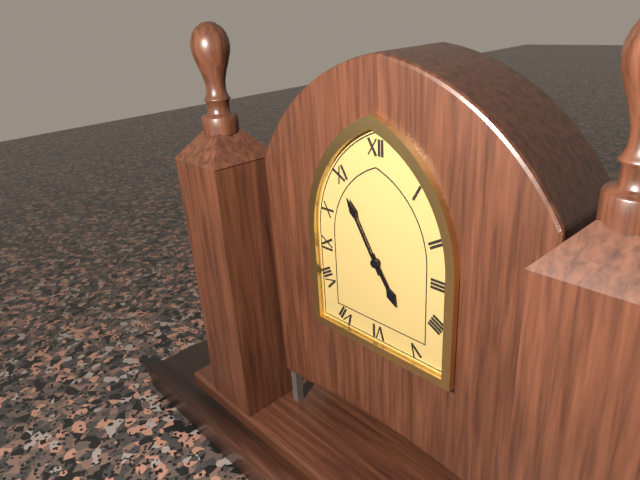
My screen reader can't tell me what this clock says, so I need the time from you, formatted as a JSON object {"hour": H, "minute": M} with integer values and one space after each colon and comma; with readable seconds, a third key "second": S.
{"hour": 4, "minute": 55}
